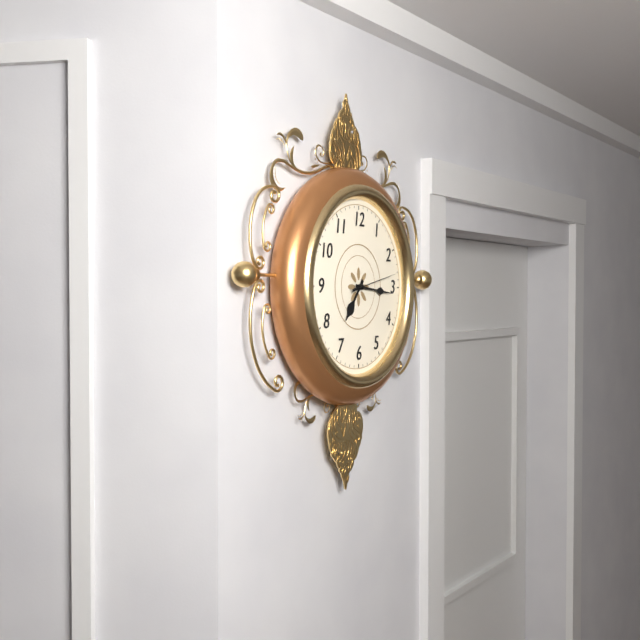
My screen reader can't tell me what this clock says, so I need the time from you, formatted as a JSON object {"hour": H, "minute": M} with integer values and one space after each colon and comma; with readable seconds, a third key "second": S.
{"hour": 7, "minute": 16}
